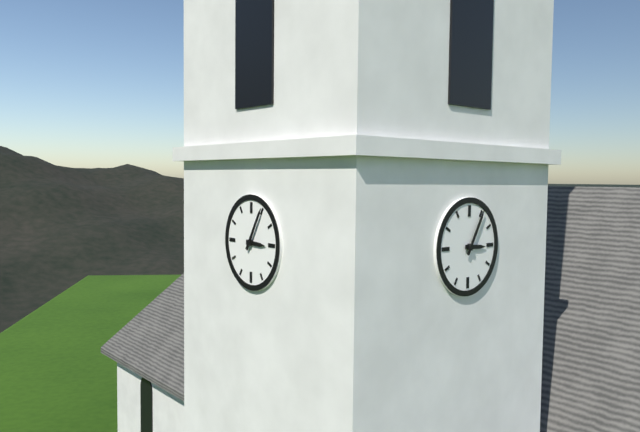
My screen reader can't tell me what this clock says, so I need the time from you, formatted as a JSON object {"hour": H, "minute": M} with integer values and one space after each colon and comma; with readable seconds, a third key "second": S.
{"hour": 3, "minute": 5}
